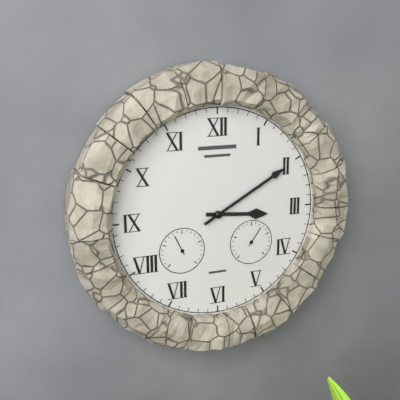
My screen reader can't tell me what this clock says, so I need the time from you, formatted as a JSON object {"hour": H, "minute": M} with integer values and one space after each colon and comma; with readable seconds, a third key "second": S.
{"hour": 3, "minute": 10}
